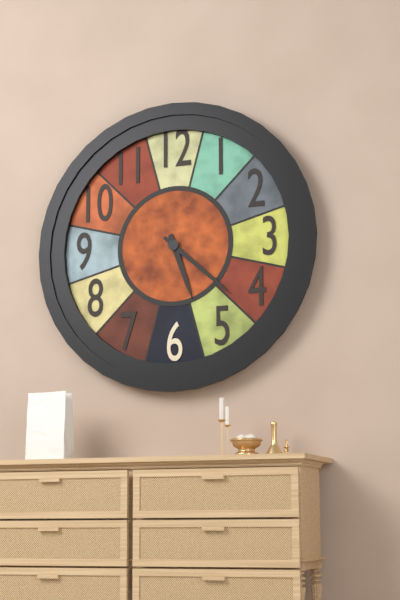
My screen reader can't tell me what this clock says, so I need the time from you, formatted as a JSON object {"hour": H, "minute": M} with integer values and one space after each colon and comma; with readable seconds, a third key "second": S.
{"hour": 5, "minute": 22}
